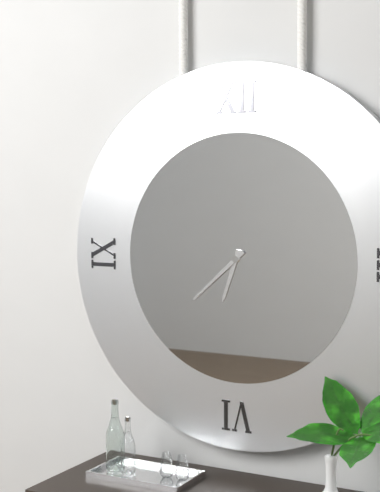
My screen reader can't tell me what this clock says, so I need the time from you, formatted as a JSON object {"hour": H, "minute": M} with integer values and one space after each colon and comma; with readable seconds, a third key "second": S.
{"hour": 6, "minute": 38}
